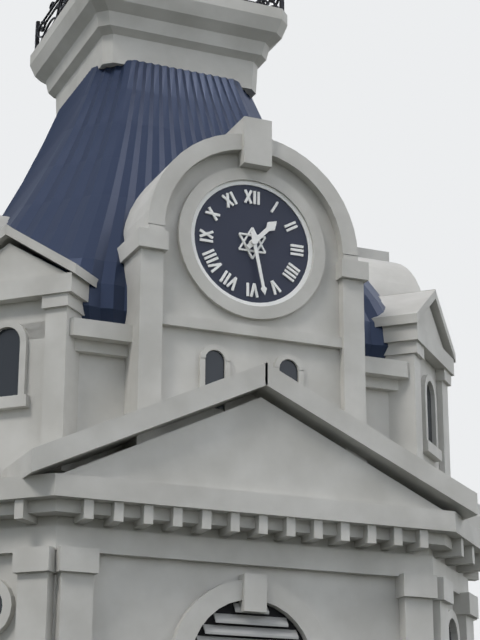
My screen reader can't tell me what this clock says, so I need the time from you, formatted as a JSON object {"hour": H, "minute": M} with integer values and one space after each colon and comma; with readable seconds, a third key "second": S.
{"hour": 1, "minute": 28}
